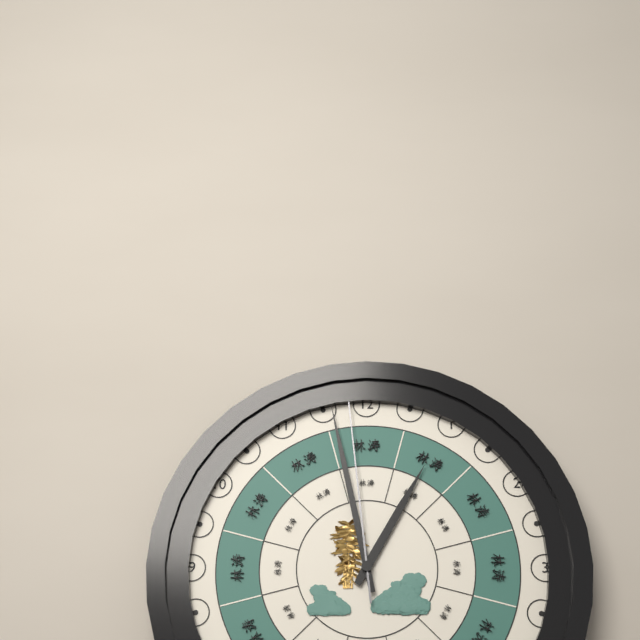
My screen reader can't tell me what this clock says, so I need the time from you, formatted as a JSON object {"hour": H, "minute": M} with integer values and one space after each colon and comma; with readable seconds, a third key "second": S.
{"hour": 12, "minute": 58, "second": 59}
